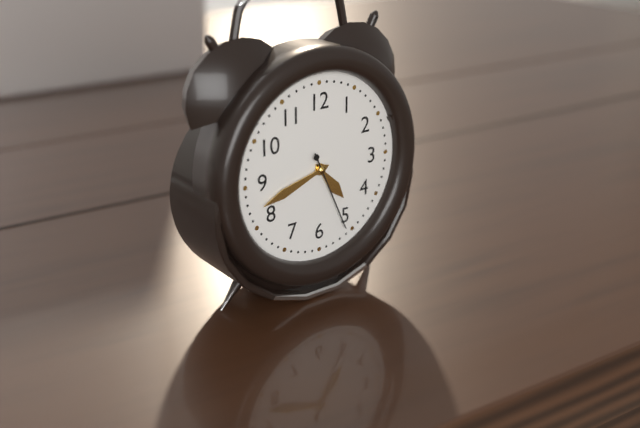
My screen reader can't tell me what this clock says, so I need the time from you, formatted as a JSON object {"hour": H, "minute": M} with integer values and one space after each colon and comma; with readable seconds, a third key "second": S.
{"hour": 4, "minute": 42, "second": 26}
